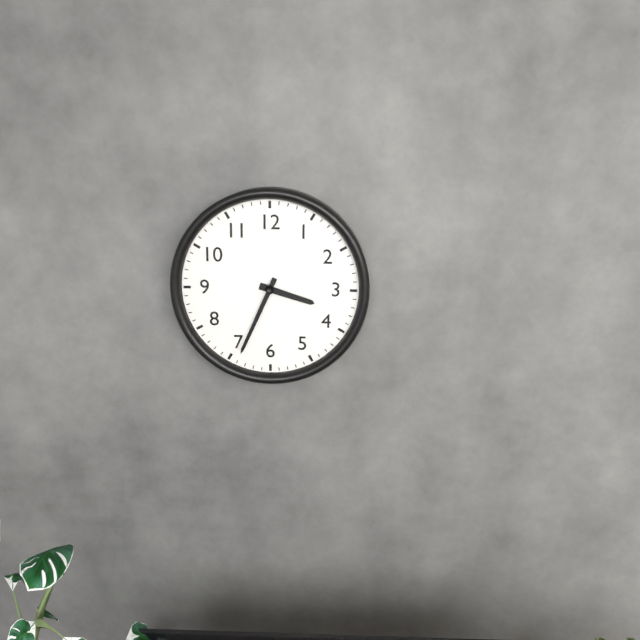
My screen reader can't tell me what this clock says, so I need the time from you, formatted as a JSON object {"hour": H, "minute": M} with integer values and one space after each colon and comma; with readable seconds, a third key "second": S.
{"hour": 3, "minute": 34}
